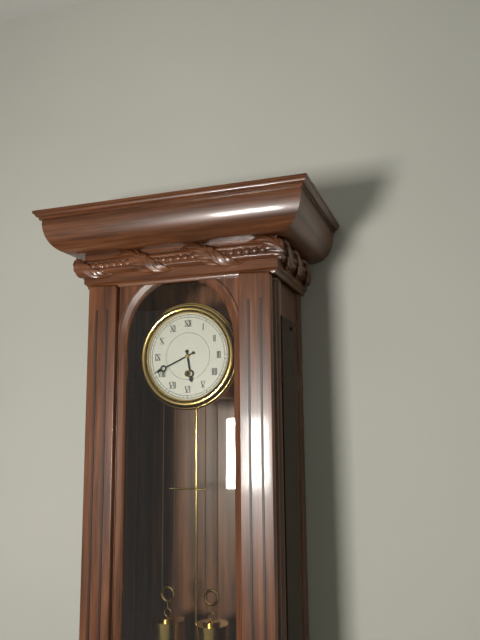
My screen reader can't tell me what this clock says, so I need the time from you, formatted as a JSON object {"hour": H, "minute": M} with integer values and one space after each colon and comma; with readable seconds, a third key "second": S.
{"hour": 5, "minute": 41}
